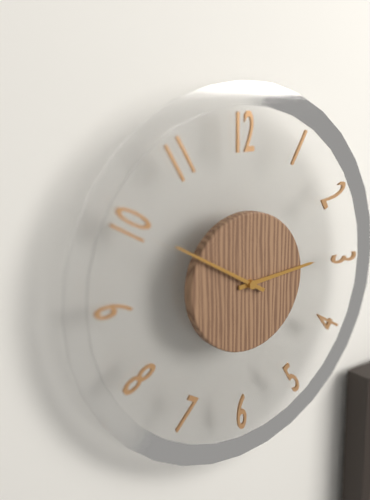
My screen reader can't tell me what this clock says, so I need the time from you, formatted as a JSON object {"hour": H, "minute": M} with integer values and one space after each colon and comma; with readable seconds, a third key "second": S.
{"hour": 2, "minute": 50}
